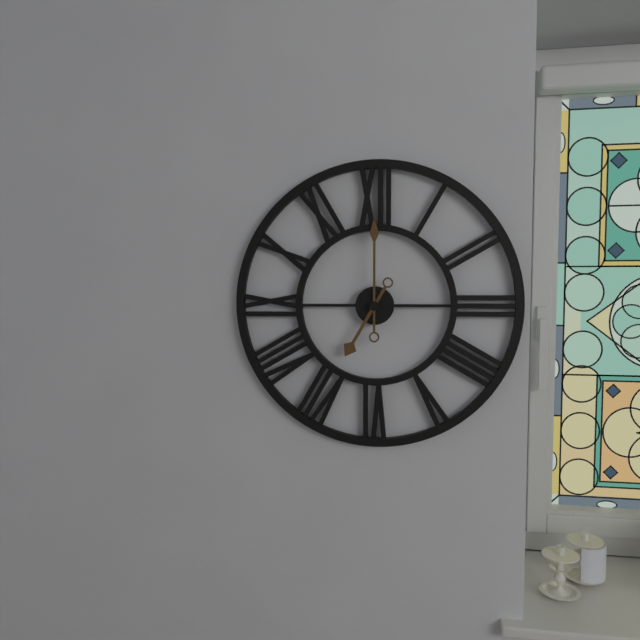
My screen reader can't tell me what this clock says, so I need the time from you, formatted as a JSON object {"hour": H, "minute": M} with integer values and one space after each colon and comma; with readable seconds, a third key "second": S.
{"hour": 7, "minute": 0}
